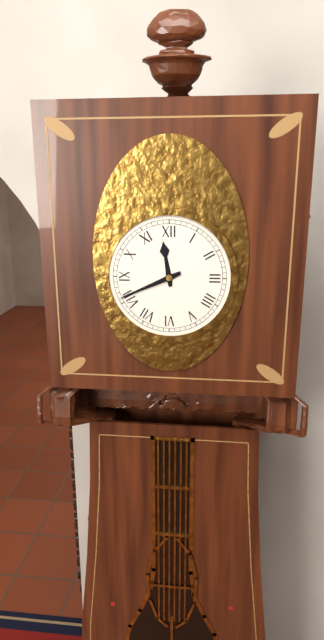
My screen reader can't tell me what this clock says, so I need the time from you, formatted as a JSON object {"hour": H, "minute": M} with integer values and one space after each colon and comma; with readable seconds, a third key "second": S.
{"hour": 11, "minute": 41}
